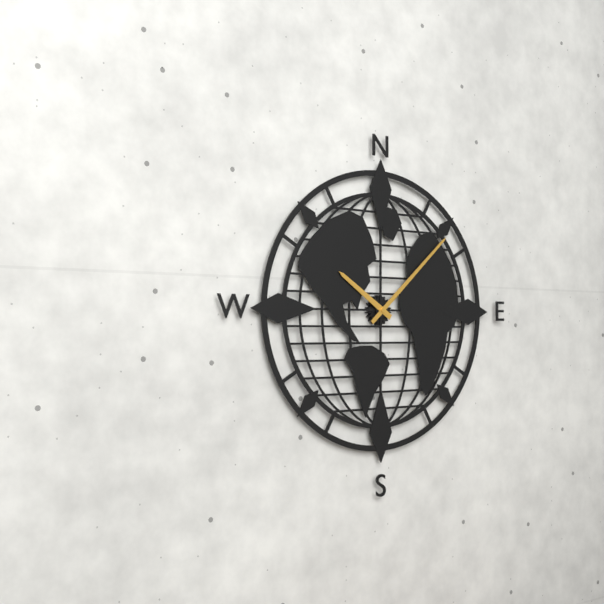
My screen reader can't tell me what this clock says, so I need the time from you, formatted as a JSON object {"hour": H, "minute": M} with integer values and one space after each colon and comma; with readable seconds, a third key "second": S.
{"hour": 10, "minute": 8}
